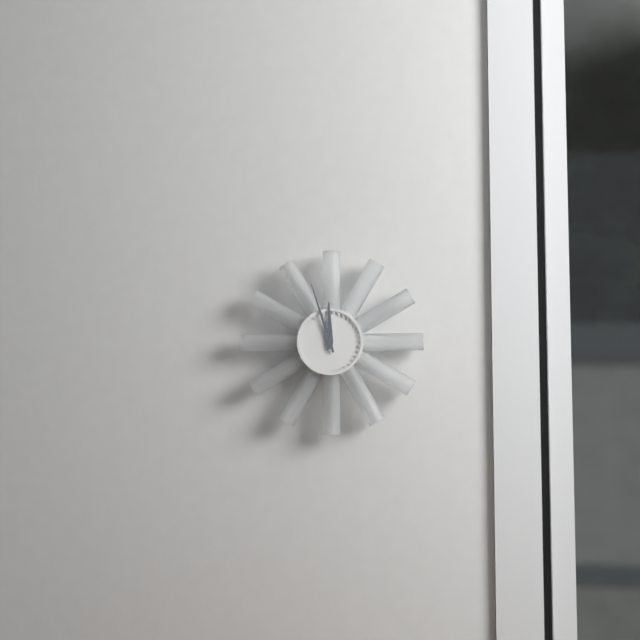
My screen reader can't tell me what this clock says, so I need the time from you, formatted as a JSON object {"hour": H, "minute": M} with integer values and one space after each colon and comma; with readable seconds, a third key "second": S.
{"hour": 11, "minute": 57}
